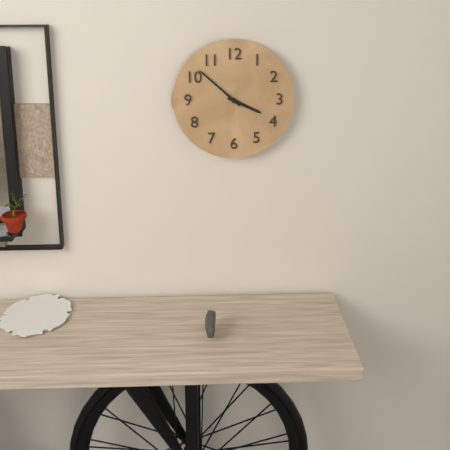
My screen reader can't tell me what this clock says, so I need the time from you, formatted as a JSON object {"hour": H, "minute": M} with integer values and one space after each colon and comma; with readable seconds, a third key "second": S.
{"hour": 3, "minute": 52}
